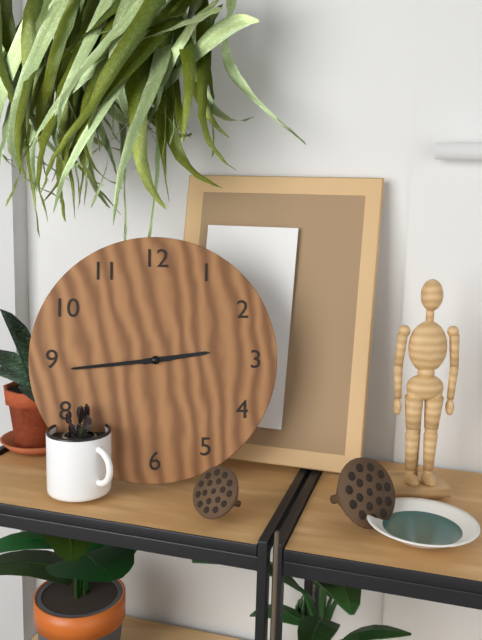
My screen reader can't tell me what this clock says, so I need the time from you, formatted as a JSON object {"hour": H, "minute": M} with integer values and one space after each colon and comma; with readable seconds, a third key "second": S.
{"hour": 2, "minute": 44}
